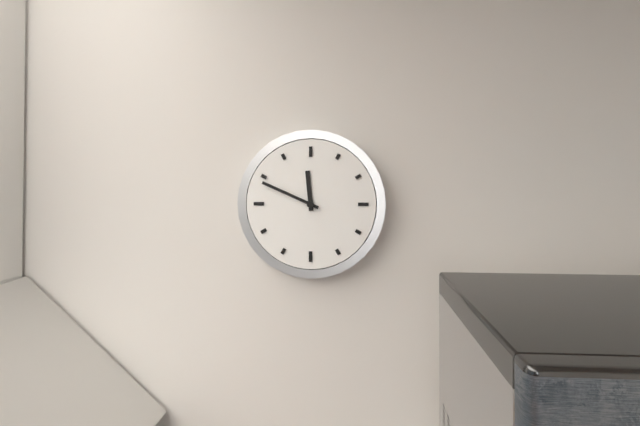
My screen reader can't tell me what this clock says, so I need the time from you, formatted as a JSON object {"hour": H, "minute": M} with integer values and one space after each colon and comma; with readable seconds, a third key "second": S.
{"hour": 11, "minute": 49}
